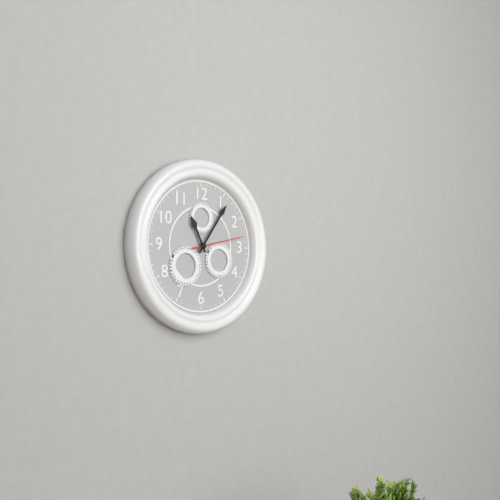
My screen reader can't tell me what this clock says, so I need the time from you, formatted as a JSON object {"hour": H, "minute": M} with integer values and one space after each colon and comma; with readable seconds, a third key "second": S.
{"hour": 11, "minute": 6, "second": 13}
